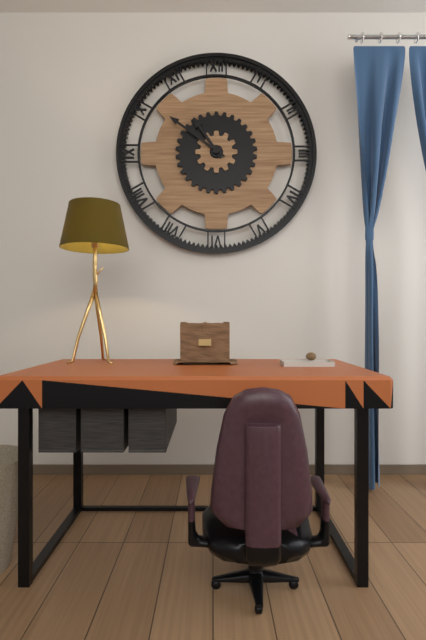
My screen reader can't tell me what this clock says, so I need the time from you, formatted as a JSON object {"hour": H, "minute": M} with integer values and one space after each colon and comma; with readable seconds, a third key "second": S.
{"hour": 10, "minute": 51}
